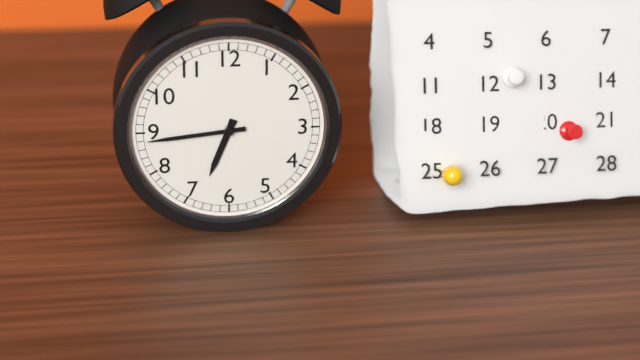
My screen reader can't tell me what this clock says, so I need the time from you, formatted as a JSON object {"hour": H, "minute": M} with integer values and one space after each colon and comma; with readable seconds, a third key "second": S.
{"hour": 6, "minute": 44}
